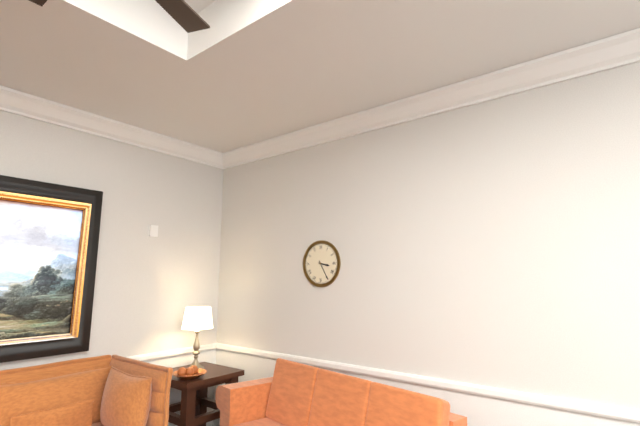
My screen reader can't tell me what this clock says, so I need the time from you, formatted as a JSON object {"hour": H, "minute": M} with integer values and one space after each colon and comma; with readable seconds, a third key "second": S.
{"hour": 3, "minute": 25}
